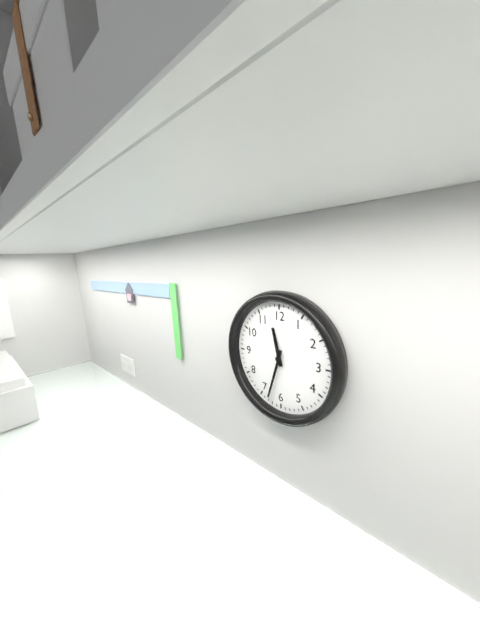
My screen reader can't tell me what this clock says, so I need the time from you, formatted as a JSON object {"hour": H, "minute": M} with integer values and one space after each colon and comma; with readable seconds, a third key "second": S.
{"hour": 11, "minute": 33}
